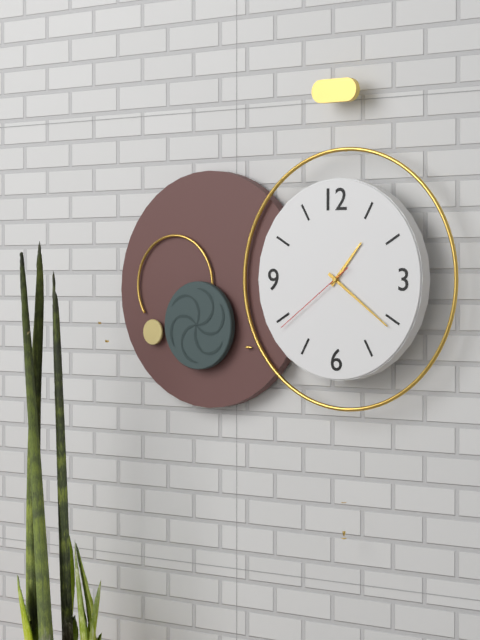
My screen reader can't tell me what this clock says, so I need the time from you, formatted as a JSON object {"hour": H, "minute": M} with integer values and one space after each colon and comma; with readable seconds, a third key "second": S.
{"hour": 1, "minute": 21, "second": 39}
